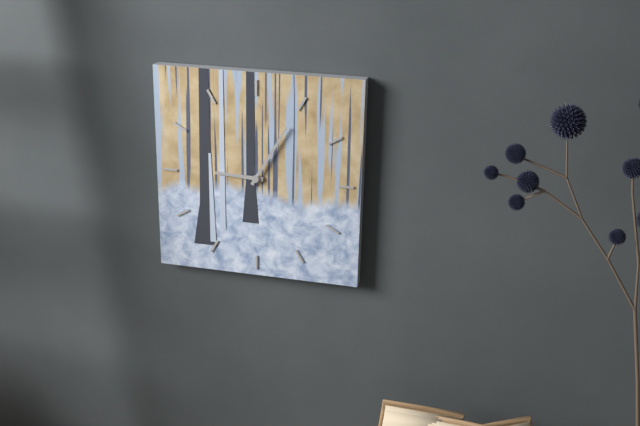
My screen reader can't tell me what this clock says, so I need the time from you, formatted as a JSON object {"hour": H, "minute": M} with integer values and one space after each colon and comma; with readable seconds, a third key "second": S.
{"hour": 9, "minute": 5}
